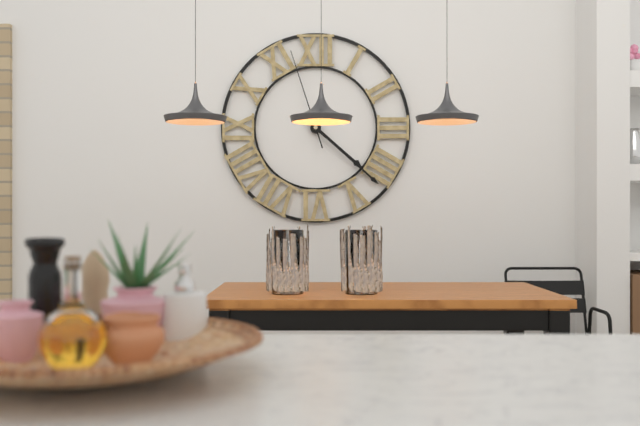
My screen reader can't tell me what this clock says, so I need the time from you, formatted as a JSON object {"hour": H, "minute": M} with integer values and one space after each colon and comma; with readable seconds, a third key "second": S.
{"hour": 4, "minute": 22, "second": 57}
